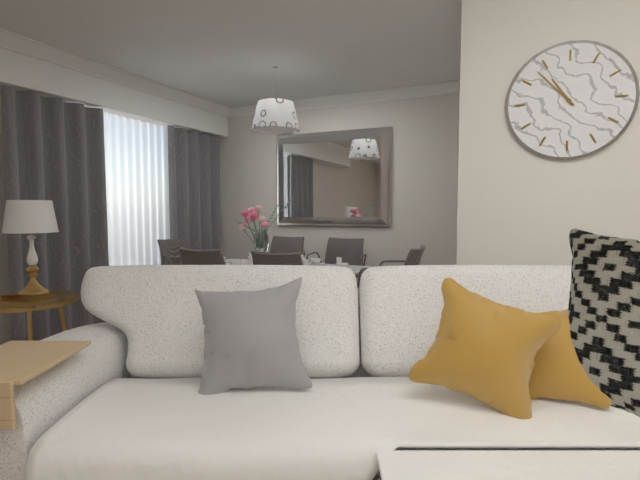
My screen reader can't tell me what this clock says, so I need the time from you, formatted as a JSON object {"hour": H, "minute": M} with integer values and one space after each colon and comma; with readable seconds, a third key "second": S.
{"hour": 10, "minute": 53}
